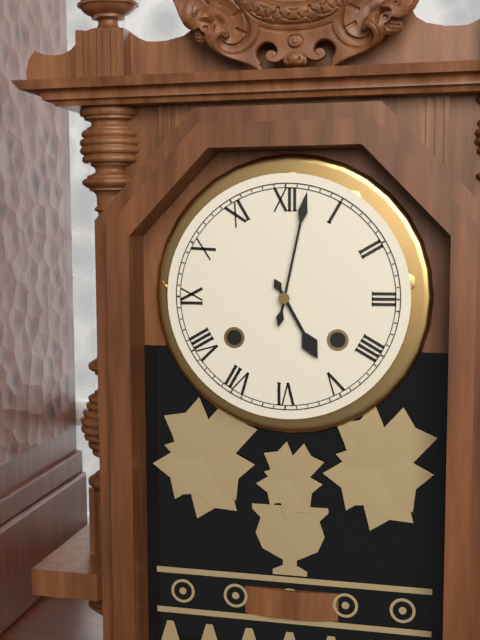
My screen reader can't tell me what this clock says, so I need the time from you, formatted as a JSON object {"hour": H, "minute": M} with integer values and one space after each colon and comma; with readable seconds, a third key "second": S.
{"hour": 5, "minute": 2}
